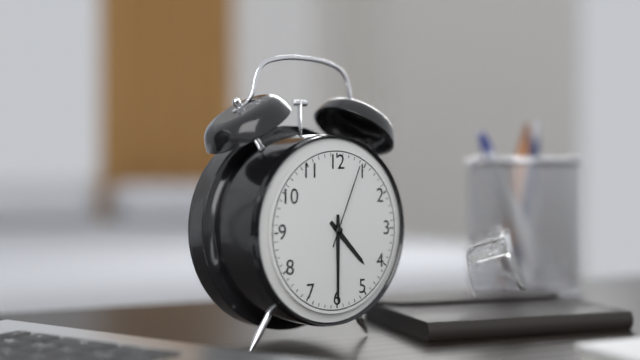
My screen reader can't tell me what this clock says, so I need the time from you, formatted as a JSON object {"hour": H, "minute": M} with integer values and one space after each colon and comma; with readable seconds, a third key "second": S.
{"hour": 4, "minute": 30, "second": 4}
